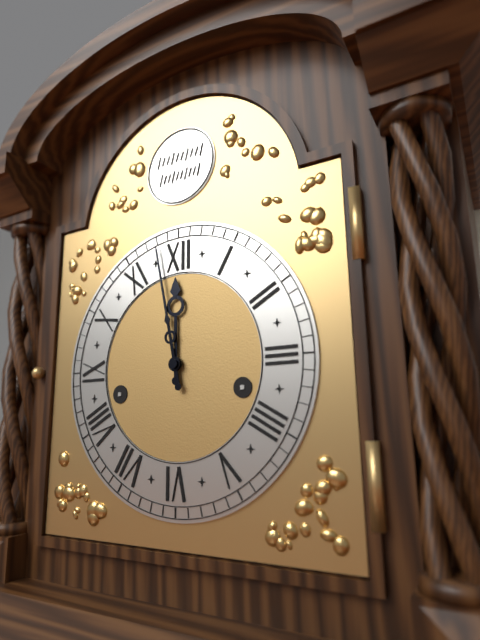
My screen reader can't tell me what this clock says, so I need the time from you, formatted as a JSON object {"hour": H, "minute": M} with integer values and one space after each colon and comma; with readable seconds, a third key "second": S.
{"hour": 11, "minute": 58}
